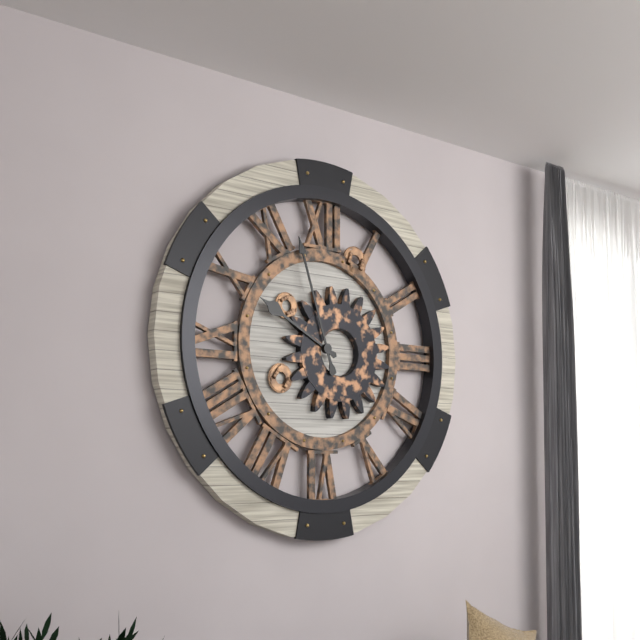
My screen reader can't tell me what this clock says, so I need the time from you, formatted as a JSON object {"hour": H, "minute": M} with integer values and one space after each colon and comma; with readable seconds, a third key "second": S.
{"hour": 9, "minute": 57}
